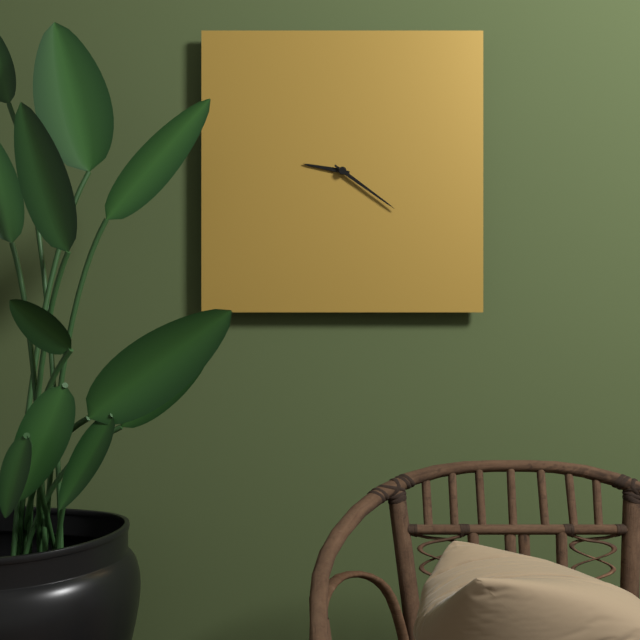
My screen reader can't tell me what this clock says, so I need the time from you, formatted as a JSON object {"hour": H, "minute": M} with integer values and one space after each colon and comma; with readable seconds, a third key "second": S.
{"hour": 9, "minute": 21}
